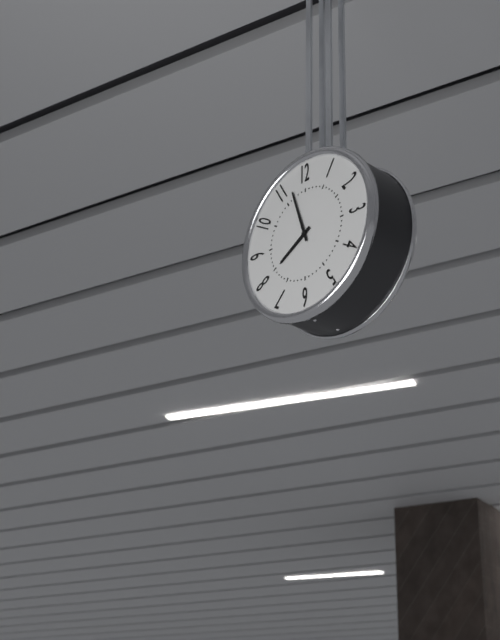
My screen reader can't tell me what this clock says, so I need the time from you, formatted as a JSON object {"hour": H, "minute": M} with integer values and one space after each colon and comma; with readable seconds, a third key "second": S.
{"hour": 7, "minute": 57}
